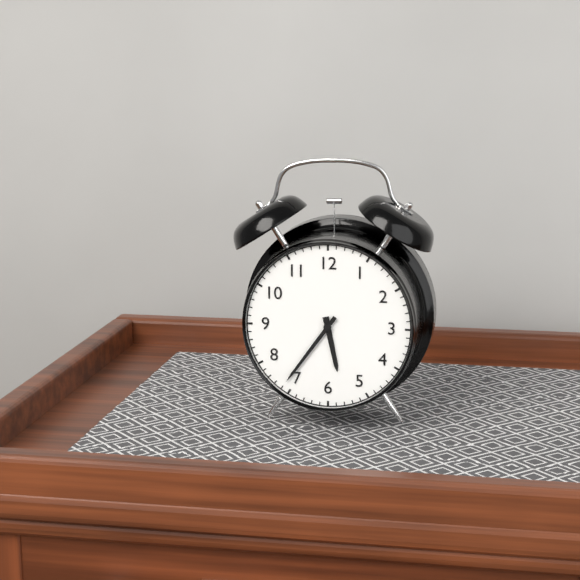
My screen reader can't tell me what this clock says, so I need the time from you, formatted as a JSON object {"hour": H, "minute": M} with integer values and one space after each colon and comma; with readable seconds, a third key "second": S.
{"hour": 5, "minute": 36}
